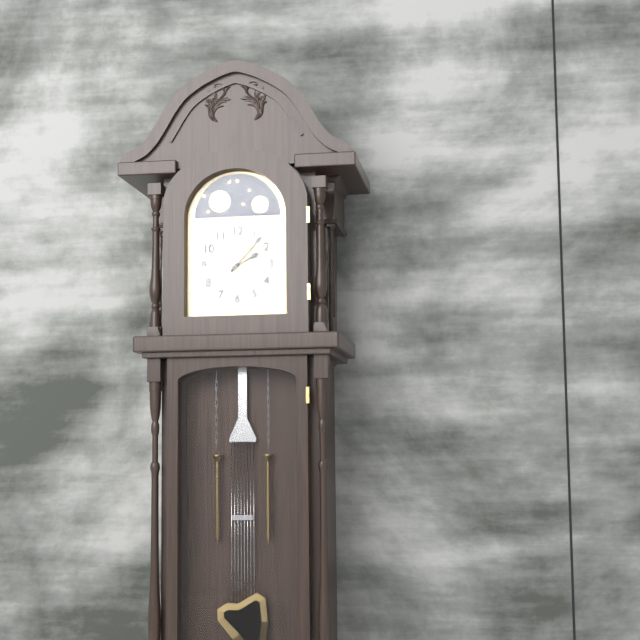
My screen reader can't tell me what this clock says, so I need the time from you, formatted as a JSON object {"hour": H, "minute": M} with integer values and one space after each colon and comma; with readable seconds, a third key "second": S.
{"hour": 2, "minute": 7}
